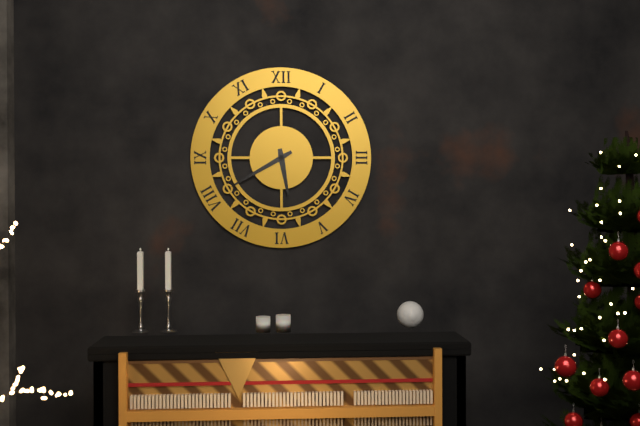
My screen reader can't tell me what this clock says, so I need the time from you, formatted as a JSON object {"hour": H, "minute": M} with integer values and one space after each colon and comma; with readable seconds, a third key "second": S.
{"hour": 5, "minute": 40}
